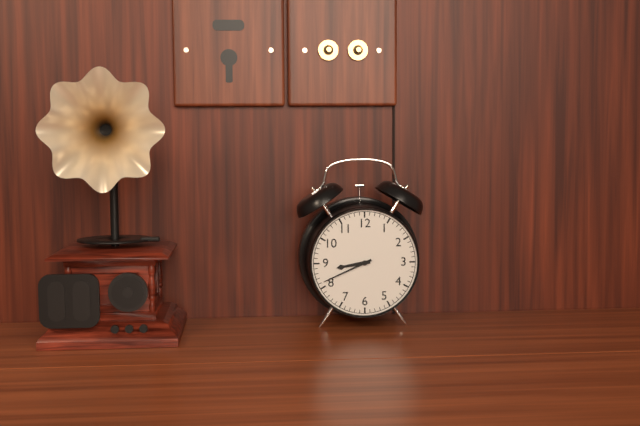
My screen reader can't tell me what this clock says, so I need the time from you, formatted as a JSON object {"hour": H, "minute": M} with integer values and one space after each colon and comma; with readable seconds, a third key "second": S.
{"hour": 8, "minute": 41}
